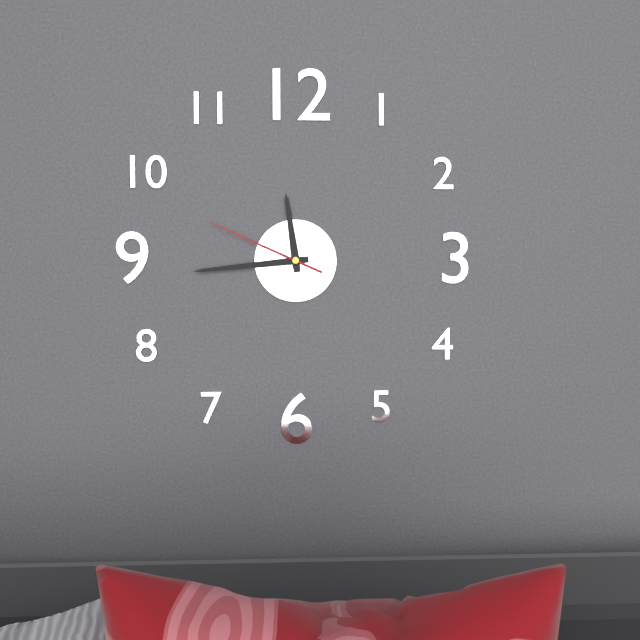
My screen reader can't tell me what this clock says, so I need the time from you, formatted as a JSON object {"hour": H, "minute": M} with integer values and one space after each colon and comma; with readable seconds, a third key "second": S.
{"hour": 11, "minute": 44, "second": 49}
